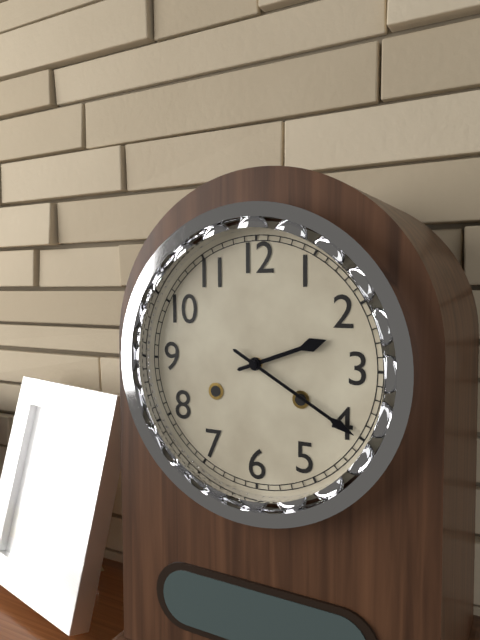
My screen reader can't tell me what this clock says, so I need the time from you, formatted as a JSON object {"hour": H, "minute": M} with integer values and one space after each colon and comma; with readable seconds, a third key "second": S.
{"hour": 2, "minute": 20}
